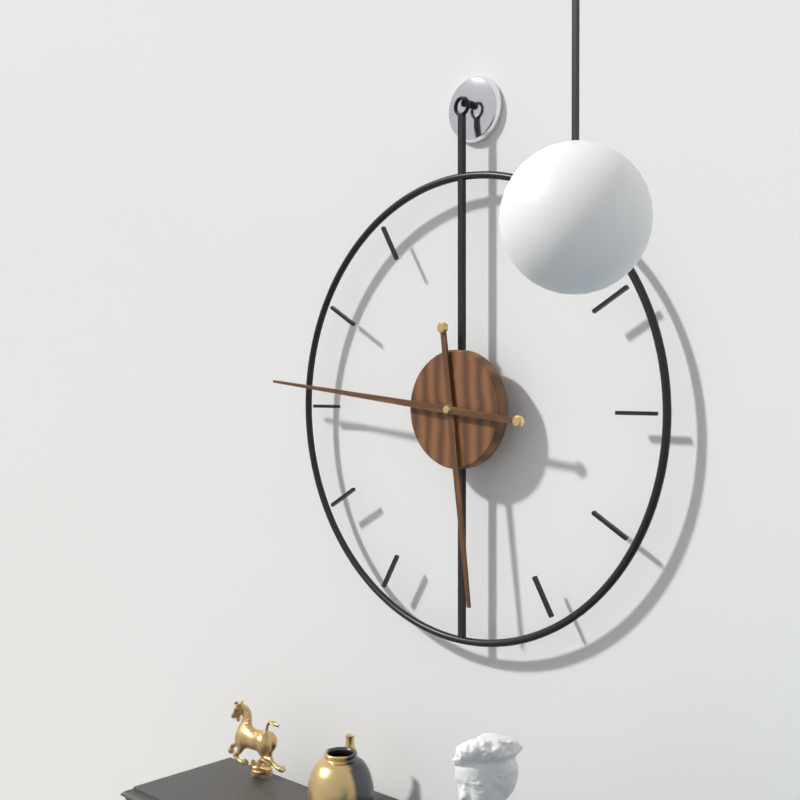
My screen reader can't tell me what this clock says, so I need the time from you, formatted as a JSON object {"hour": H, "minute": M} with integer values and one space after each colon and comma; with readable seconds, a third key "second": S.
{"hour": 5, "minute": 46}
